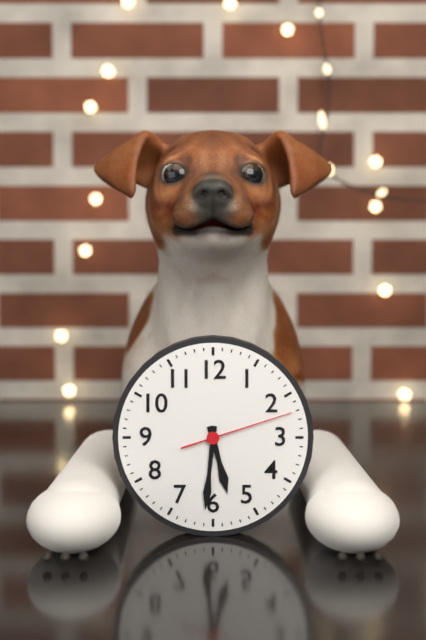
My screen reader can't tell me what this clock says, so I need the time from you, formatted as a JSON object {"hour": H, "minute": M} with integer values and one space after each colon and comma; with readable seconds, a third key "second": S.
{"hour": 5, "minute": 31, "second": 12}
